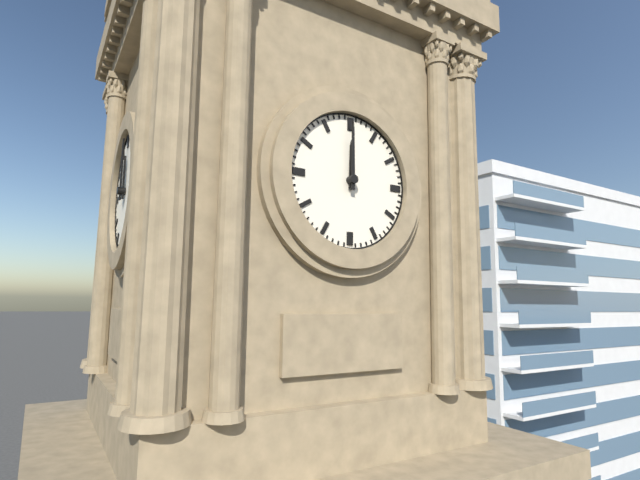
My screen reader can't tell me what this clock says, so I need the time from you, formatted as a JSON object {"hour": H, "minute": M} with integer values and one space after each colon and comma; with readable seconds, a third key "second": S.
{"hour": 12, "minute": 0}
